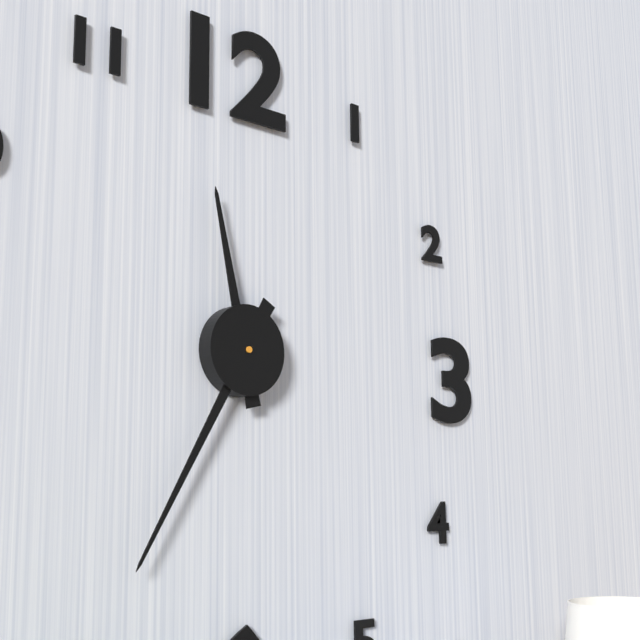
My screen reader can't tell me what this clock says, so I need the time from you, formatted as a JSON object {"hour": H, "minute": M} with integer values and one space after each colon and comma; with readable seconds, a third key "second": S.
{"hour": 11, "minute": 35}
